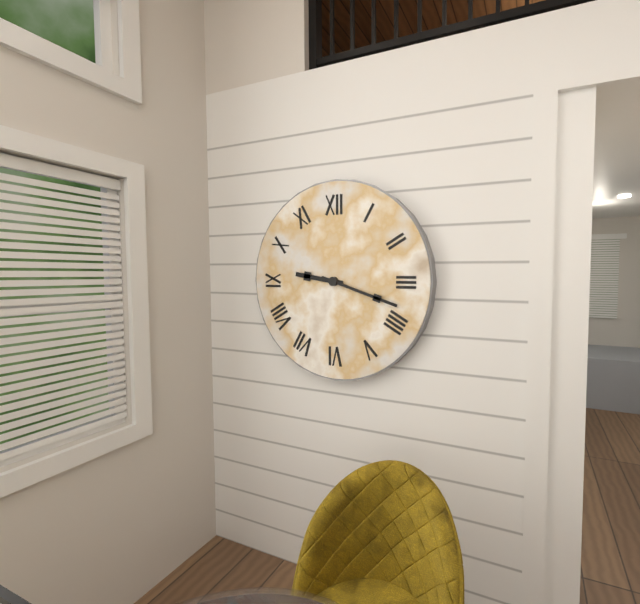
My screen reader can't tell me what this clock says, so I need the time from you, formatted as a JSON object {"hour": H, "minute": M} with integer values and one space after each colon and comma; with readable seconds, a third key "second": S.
{"hour": 9, "minute": 18}
